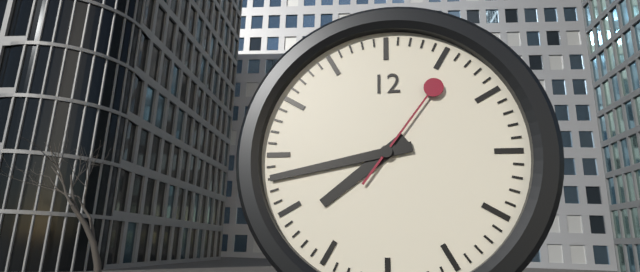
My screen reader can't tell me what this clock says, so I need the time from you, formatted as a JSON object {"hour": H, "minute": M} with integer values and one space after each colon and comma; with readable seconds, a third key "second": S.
{"hour": 7, "minute": 43, "second": 6}
